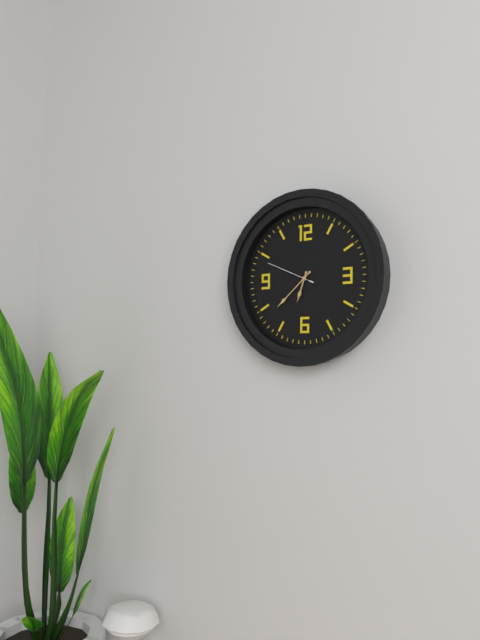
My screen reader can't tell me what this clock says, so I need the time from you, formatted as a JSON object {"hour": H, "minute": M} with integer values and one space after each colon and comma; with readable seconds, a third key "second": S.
{"hour": 6, "minute": 38}
